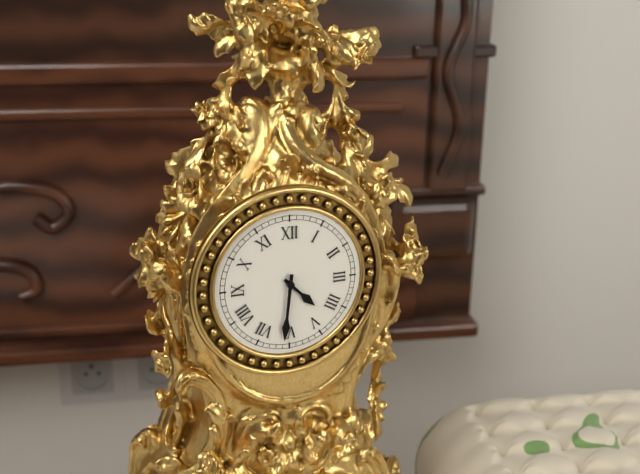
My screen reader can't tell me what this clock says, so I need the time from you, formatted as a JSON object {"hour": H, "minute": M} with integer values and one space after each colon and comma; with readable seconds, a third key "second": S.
{"hour": 4, "minute": 31}
